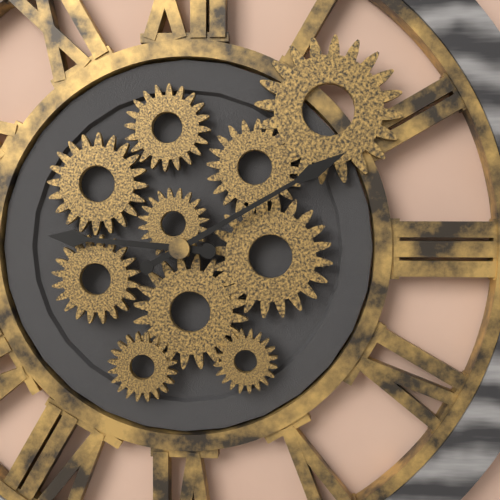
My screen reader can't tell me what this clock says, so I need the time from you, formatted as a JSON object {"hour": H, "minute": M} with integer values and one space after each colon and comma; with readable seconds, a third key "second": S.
{"hour": 9, "minute": 10}
